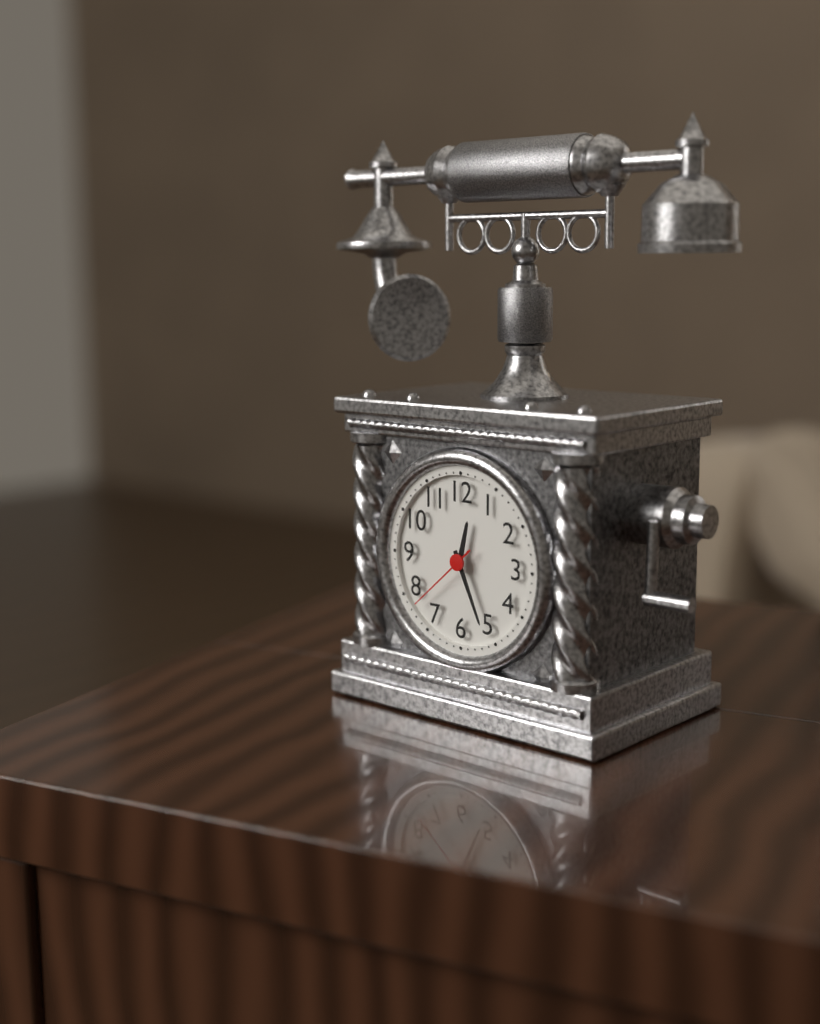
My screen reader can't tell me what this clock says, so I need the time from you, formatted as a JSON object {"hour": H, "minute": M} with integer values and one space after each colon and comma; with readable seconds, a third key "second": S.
{"hour": 12, "minute": 26, "second": 38}
